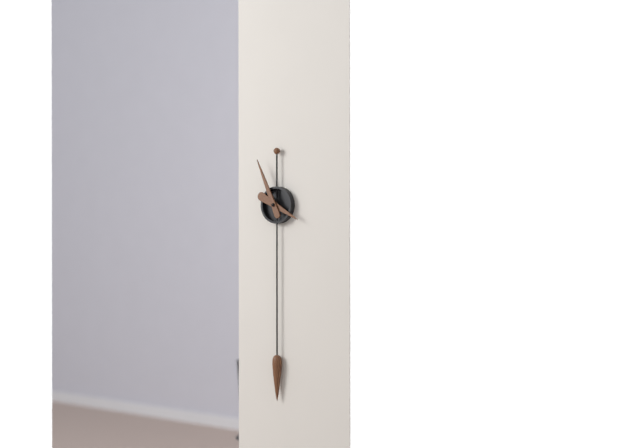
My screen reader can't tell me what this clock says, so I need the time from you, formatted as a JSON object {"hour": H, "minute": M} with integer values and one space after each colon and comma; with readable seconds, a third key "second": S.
{"hour": 3, "minute": 56}
